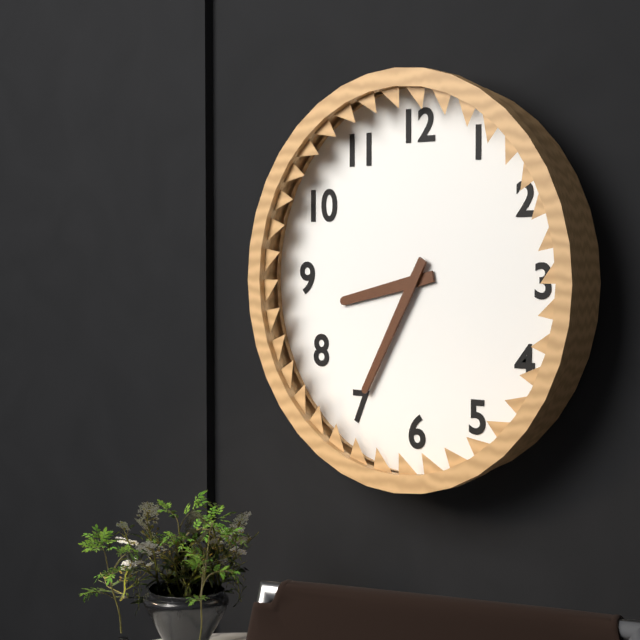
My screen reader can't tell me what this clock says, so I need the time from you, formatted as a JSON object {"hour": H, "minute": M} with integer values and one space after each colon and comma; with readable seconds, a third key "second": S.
{"hour": 8, "minute": 35}
